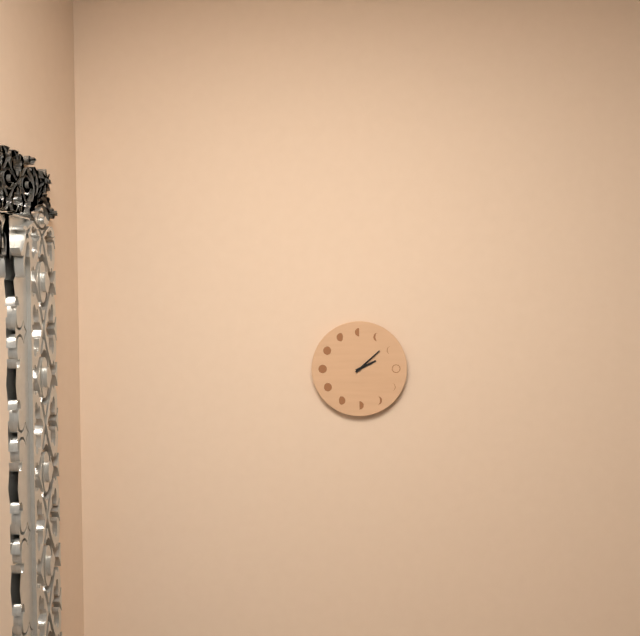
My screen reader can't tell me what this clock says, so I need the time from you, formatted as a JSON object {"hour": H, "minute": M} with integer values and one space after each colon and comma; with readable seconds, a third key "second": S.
{"hour": 2, "minute": 8}
